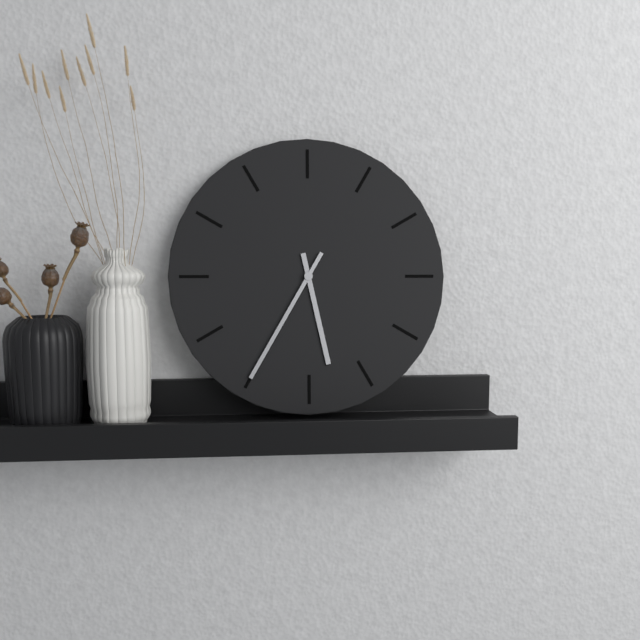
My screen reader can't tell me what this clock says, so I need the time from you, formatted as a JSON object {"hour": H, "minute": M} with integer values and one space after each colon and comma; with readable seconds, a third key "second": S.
{"hour": 5, "minute": 35}
